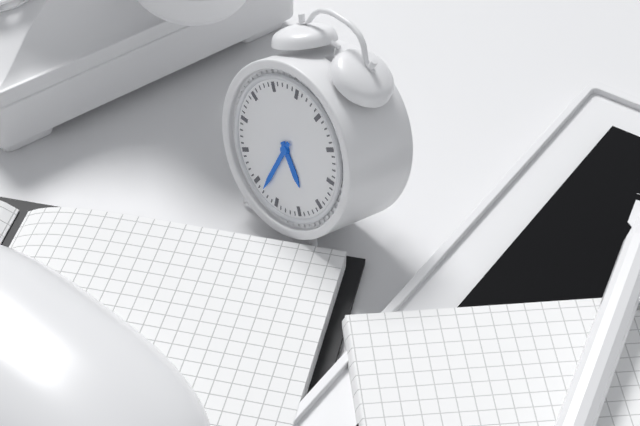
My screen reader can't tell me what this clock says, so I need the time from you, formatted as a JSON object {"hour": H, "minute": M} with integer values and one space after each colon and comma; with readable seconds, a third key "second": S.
{"hour": 4, "minute": 33}
